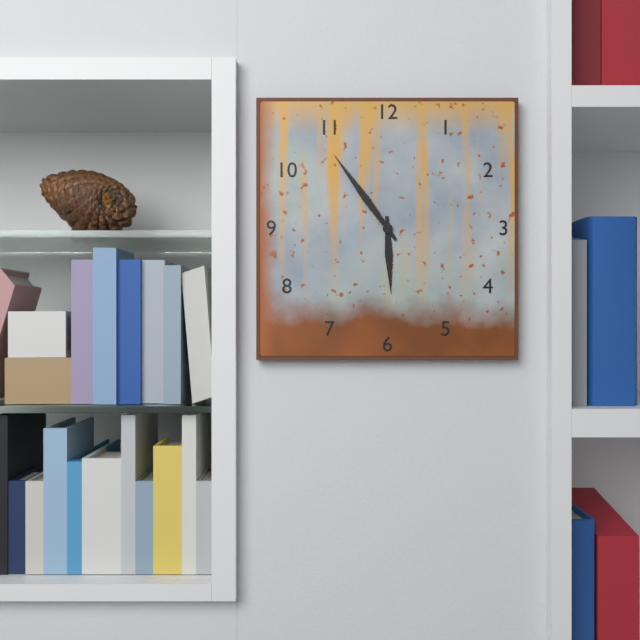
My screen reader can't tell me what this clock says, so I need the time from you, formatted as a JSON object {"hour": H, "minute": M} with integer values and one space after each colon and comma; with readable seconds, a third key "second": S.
{"hour": 5, "minute": 54}
